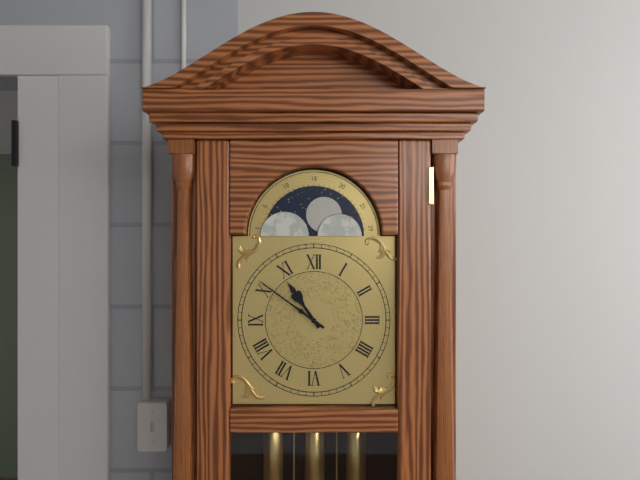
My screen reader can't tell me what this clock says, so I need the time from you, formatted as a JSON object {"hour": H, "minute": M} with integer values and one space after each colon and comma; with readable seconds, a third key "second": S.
{"hour": 10, "minute": 51}
